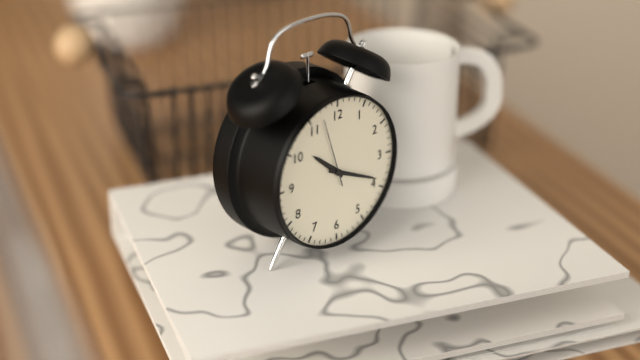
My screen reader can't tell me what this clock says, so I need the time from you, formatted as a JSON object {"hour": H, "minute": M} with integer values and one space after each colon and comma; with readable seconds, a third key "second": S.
{"hour": 10, "minute": 19, "second": 57}
